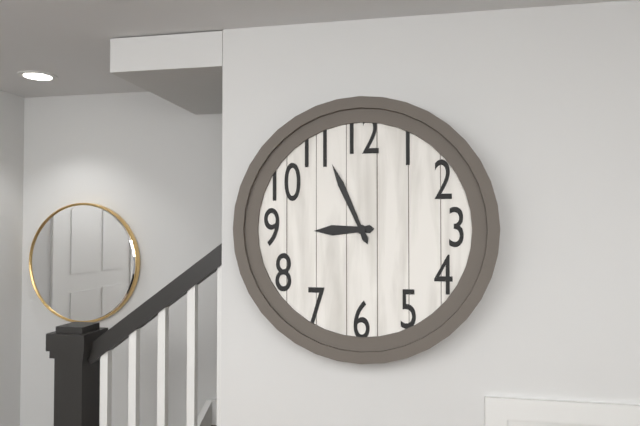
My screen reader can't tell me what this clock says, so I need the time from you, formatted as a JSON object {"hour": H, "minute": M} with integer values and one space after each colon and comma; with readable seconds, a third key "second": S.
{"hour": 8, "minute": 56}
